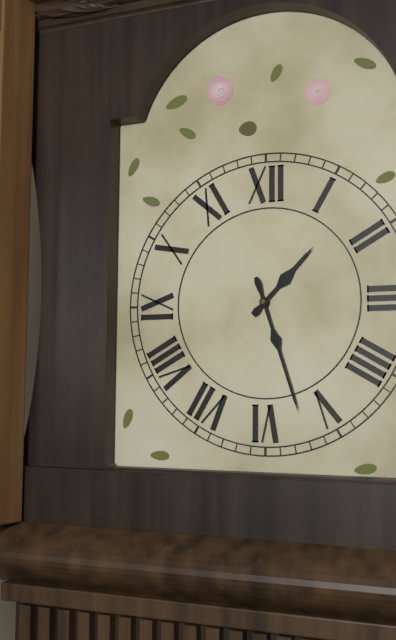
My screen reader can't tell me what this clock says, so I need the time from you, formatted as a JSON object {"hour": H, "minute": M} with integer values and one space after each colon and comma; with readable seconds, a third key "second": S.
{"hour": 1, "minute": 27}
